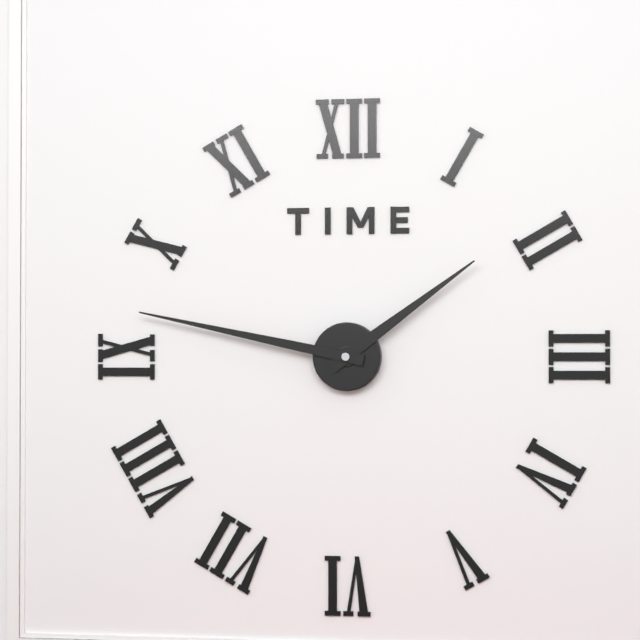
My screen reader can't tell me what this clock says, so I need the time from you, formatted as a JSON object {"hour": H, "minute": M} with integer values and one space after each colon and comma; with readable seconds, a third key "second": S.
{"hour": 1, "minute": 47}
